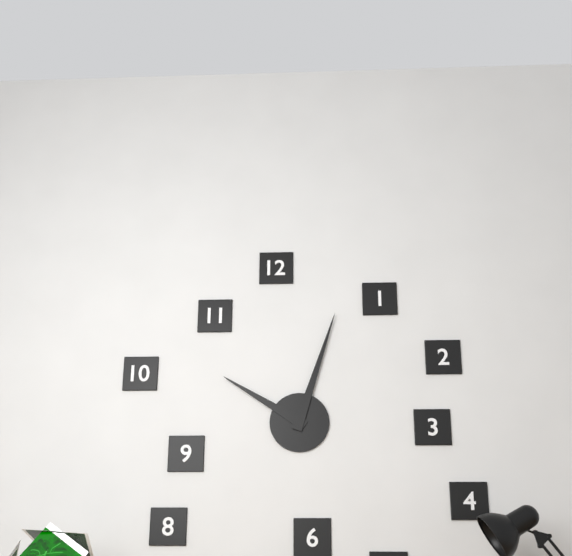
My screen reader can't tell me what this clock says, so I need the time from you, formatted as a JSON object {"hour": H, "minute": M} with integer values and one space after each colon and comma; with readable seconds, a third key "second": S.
{"hour": 10, "minute": 3}
